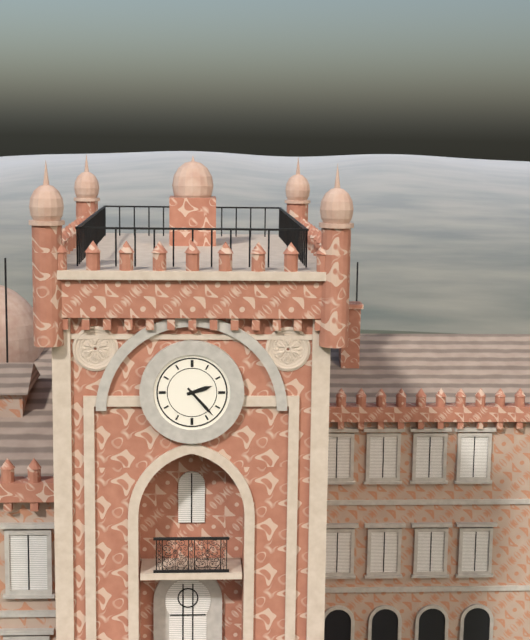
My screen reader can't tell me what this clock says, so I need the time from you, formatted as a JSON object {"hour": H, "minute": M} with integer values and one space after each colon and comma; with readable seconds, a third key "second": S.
{"hour": 2, "minute": 23}
